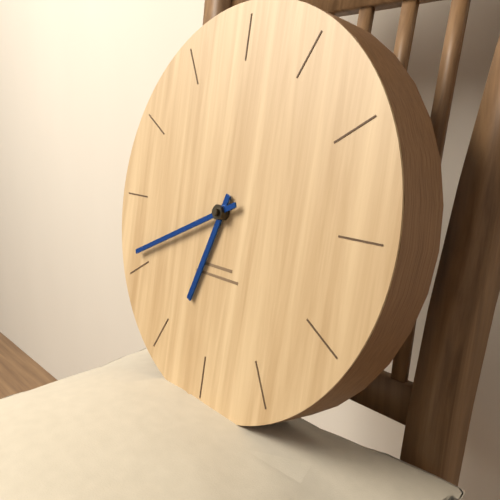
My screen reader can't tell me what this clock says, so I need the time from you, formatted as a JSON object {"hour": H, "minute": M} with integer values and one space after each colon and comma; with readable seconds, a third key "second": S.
{"hour": 6, "minute": 41}
